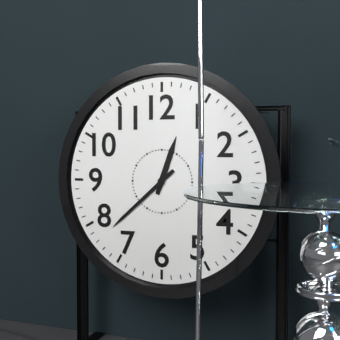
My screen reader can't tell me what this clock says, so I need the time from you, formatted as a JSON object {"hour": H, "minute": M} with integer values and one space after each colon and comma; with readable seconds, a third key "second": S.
{"hour": 12, "minute": 38}
